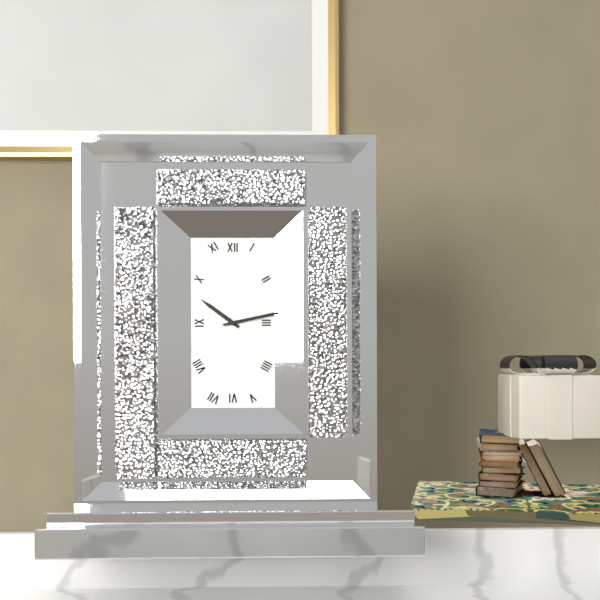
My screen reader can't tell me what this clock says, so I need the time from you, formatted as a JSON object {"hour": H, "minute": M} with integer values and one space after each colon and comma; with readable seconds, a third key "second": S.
{"hour": 10, "minute": 13}
